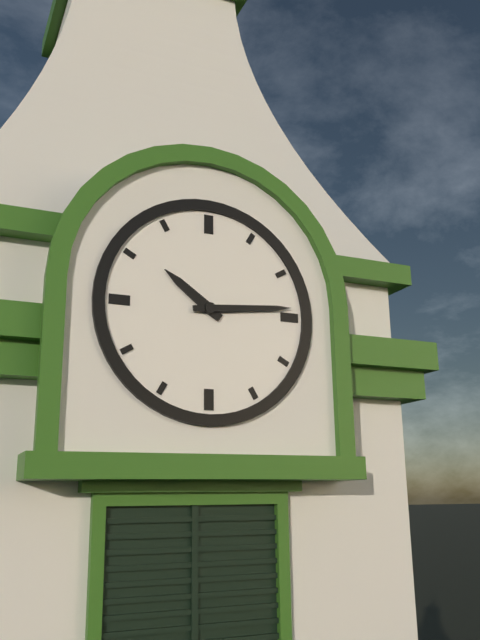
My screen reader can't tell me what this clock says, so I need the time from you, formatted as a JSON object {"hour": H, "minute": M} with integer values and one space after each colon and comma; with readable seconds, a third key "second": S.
{"hour": 10, "minute": 14}
